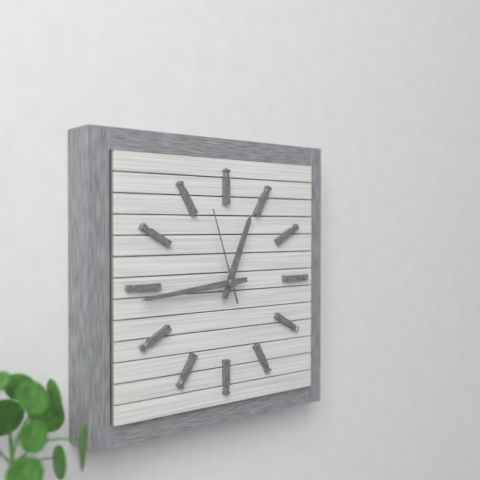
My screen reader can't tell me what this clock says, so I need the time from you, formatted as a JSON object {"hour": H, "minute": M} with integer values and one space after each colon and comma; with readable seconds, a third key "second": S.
{"hour": 12, "minute": 44, "second": 57}
